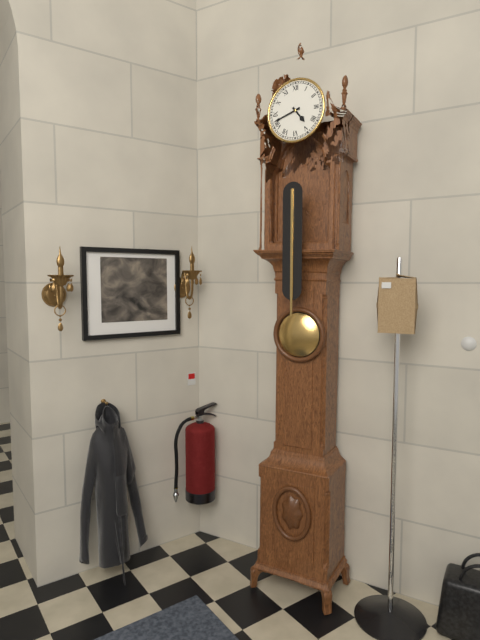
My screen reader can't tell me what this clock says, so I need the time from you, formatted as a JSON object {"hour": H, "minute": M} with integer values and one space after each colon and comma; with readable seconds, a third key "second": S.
{"hour": 4, "minute": 42}
